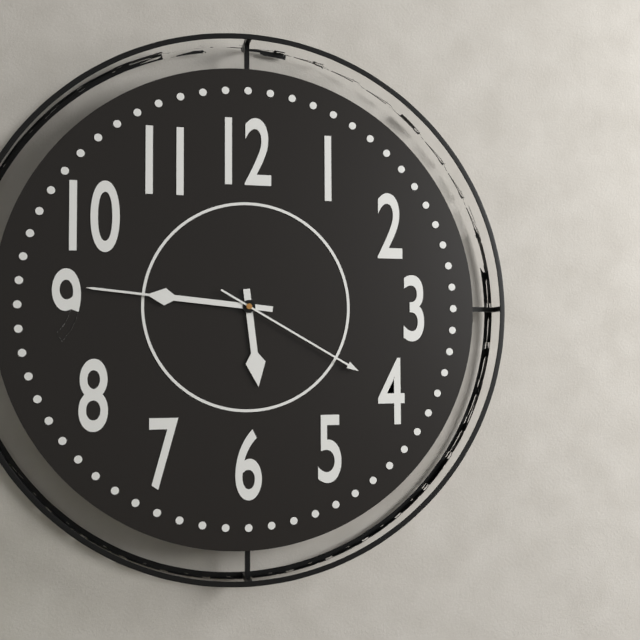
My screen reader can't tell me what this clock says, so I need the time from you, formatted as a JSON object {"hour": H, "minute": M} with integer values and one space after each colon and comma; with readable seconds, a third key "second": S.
{"hour": 5, "minute": 46, "second": 20}
